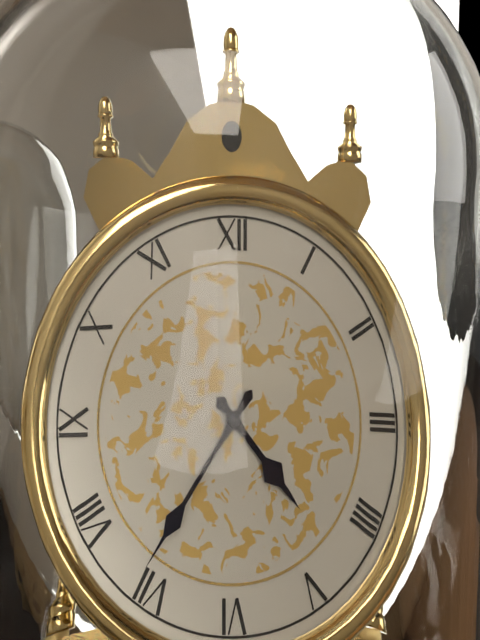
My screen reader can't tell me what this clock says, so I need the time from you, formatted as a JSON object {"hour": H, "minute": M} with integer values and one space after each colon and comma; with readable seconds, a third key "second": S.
{"hour": 4, "minute": 36}
